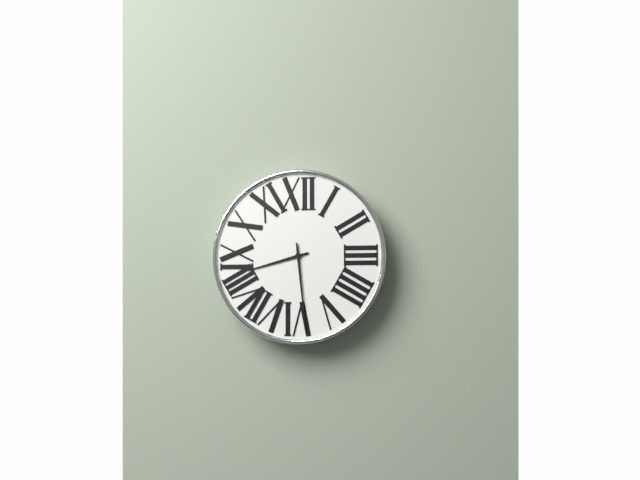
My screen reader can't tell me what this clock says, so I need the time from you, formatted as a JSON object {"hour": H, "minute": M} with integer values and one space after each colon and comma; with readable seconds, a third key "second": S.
{"hour": 8, "minute": 29}
